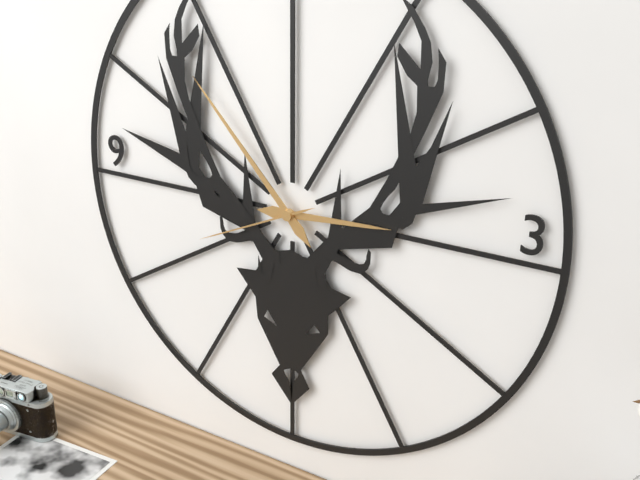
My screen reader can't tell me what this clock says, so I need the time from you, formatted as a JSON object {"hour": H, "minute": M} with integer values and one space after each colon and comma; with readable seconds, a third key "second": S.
{"hour": 2, "minute": 53, "second": 41}
